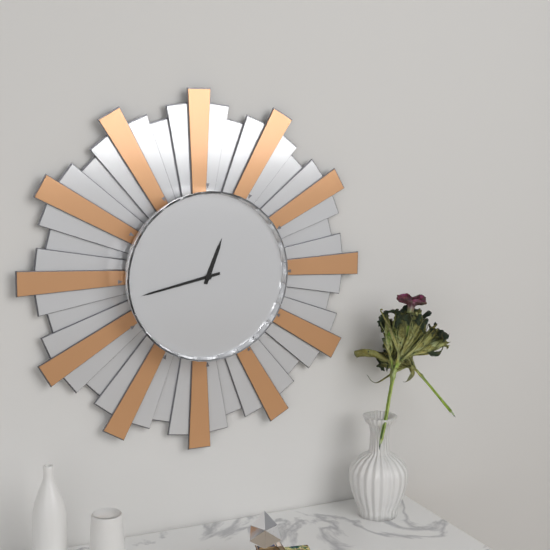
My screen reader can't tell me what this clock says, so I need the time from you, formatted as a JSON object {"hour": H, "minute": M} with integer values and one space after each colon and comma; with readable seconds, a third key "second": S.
{"hour": 12, "minute": 43}
